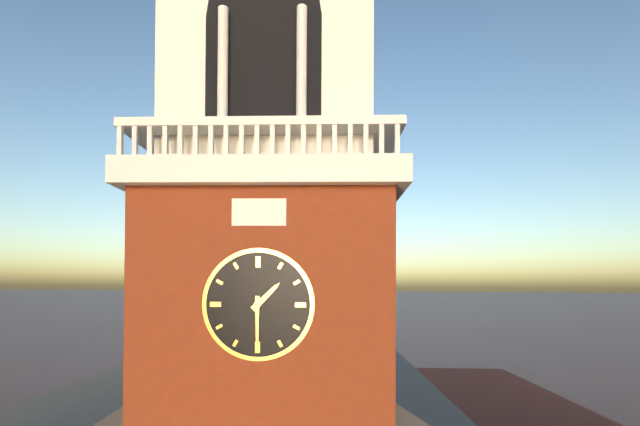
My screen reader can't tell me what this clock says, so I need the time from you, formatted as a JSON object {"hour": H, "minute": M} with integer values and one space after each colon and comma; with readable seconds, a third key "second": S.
{"hour": 1, "minute": 30}
